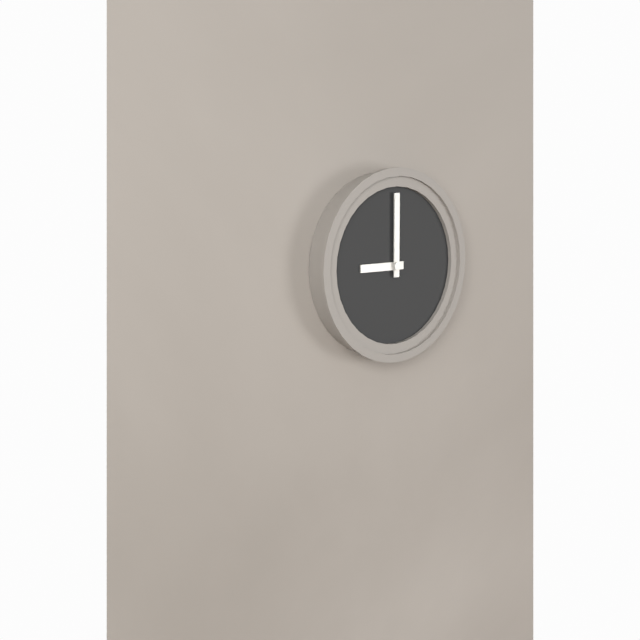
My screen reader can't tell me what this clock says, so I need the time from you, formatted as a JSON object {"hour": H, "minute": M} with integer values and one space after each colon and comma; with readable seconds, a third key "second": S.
{"hour": 9, "minute": 0}
